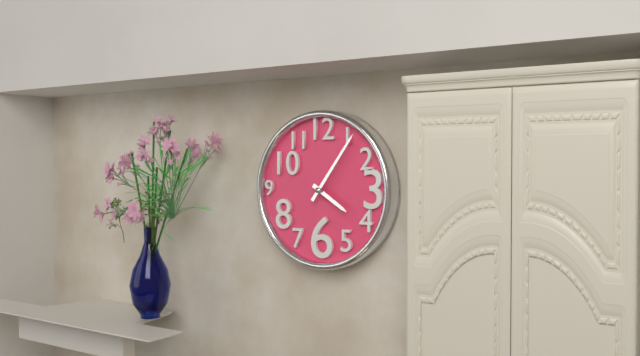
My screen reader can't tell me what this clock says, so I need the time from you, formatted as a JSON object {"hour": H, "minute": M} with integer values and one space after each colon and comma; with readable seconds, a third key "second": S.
{"hour": 4, "minute": 6}
